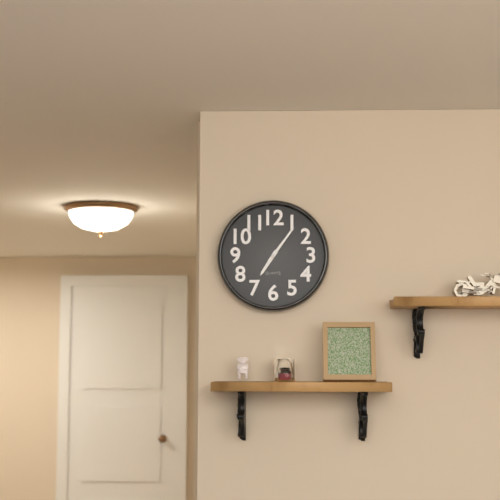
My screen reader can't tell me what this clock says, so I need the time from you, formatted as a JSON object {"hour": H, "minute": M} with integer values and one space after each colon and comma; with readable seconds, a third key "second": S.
{"hour": 7, "minute": 6}
